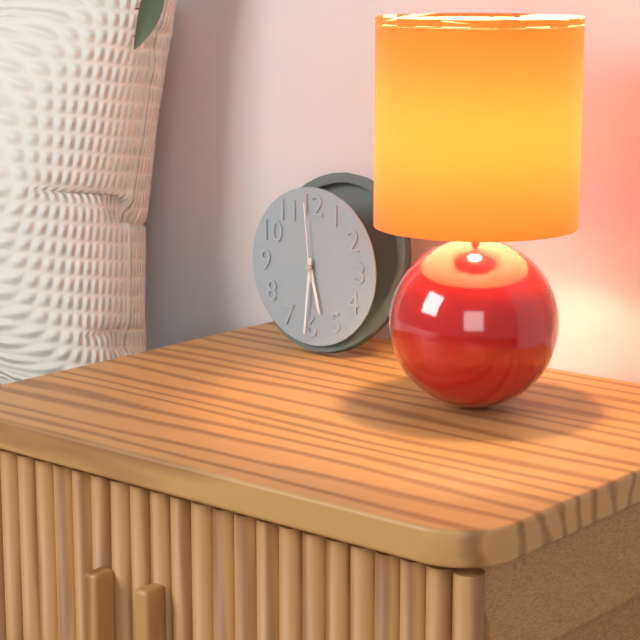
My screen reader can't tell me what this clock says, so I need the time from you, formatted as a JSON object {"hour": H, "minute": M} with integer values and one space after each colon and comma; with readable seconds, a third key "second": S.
{"hour": 5, "minute": 31, "second": 59}
